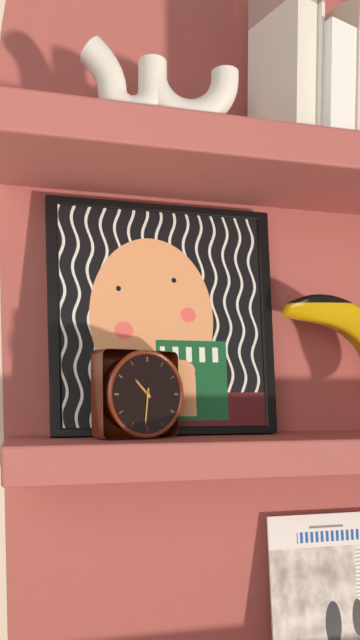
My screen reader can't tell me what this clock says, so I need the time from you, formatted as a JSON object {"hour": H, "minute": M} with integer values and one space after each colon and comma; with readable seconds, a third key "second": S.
{"hour": 10, "minute": 31}
